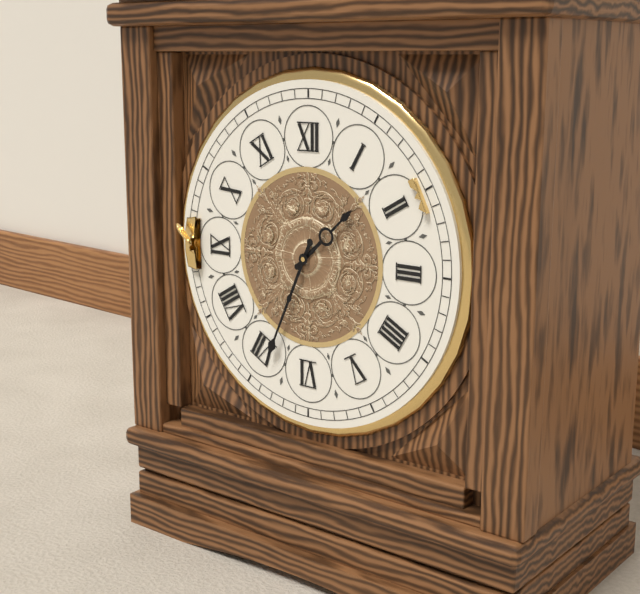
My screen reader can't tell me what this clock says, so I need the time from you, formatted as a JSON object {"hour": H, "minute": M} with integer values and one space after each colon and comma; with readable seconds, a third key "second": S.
{"hour": 1, "minute": 34}
